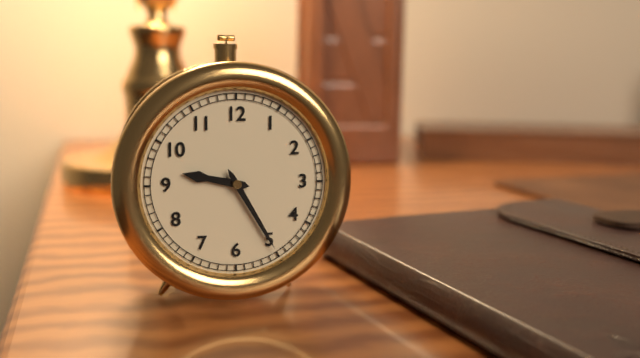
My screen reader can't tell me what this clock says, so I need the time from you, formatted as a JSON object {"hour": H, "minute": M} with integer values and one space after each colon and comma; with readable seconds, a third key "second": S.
{"hour": 9, "minute": 25}
